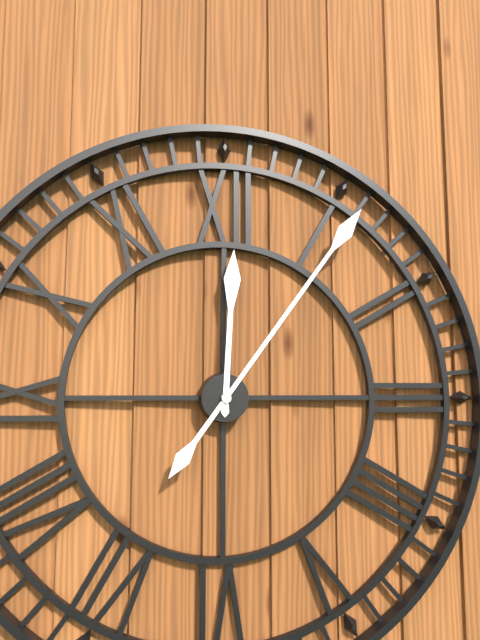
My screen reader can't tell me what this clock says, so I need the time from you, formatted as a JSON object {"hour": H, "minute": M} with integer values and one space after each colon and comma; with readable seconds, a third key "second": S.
{"hour": 12, "minute": 6}
